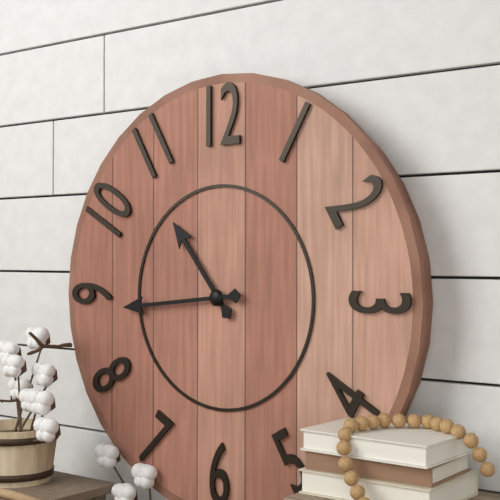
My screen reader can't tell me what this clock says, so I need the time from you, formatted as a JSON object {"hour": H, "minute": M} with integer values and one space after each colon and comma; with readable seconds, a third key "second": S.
{"hour": 10, "minute": 44}
